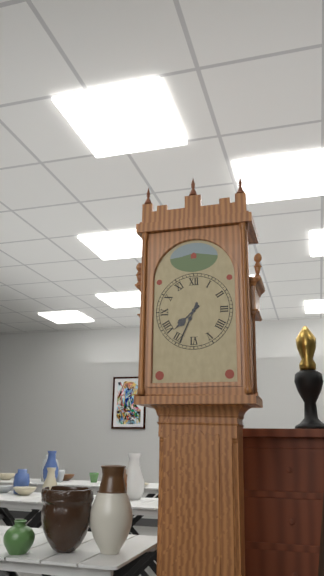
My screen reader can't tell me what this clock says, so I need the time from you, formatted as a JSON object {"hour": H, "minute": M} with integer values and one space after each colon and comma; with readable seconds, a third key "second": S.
{"hour": 7, "minute": 34}
